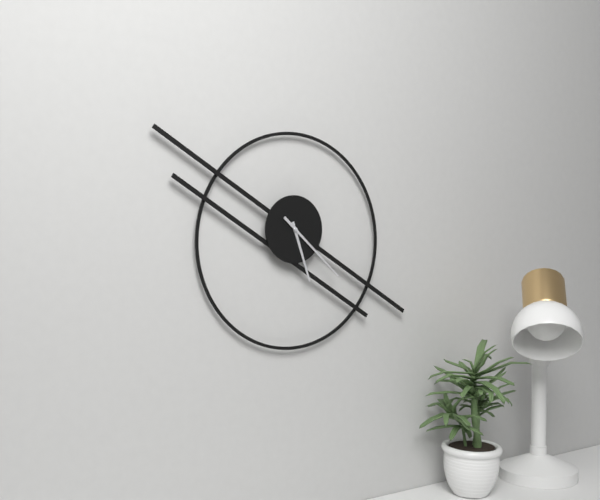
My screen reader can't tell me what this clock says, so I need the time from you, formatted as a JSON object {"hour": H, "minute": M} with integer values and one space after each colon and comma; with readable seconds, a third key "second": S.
{"hour": 5, "minute": 22}
